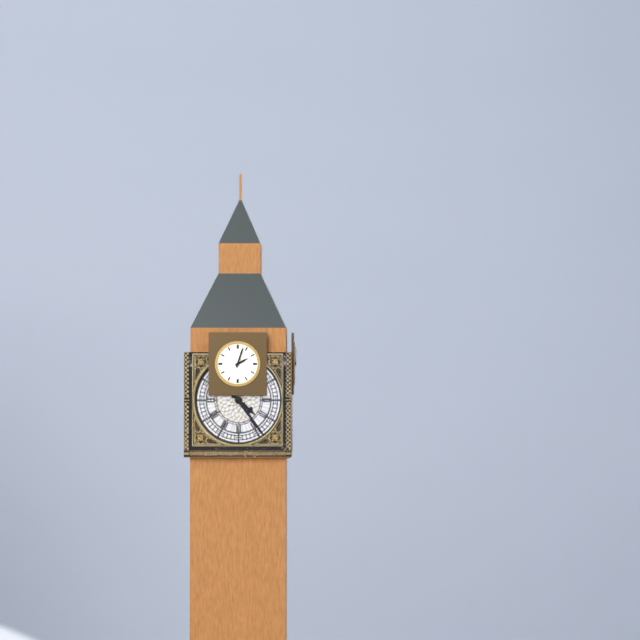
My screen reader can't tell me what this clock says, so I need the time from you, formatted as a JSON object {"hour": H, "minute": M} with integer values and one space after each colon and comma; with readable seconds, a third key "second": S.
{"hour": 2, "minute": 3}
